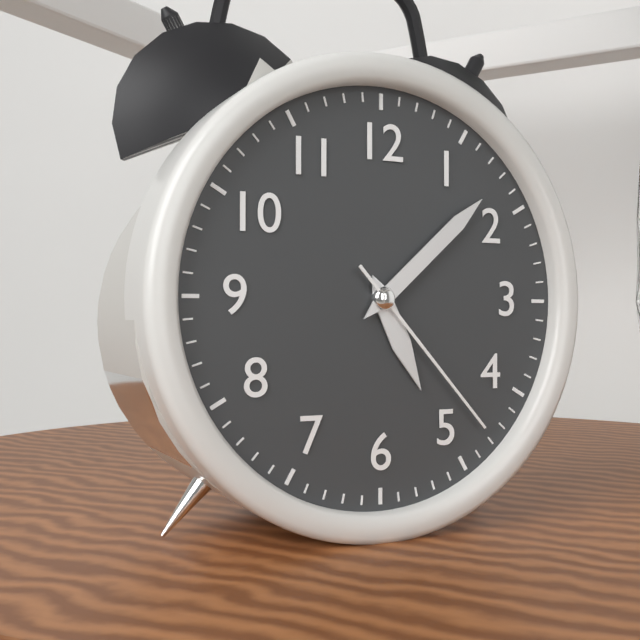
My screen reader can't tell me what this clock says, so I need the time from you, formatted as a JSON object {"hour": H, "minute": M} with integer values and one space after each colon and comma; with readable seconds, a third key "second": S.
{"hour": 5, "minute": 8, "second": 23}
